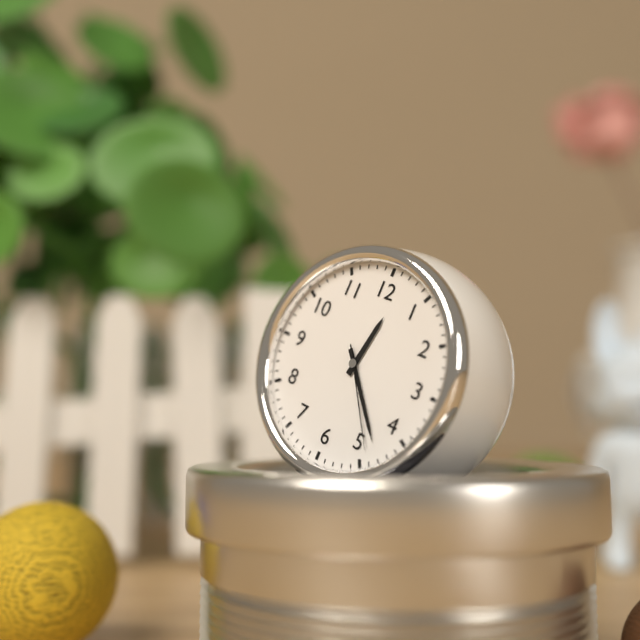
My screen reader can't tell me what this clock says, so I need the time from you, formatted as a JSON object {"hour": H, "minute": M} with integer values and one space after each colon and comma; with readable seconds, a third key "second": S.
{"hour": 12, "minute": 23, "second": 24}
